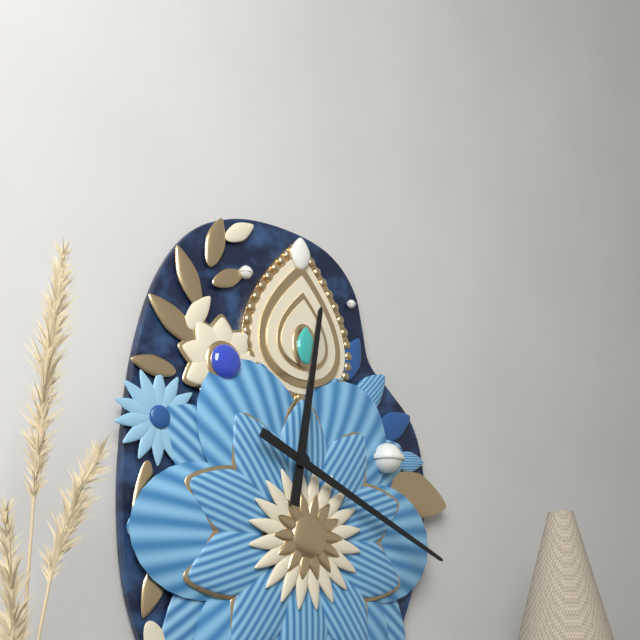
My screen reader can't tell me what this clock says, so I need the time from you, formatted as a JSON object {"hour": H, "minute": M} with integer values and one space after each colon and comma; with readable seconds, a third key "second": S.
{"hour": 12, "minute": 19}
